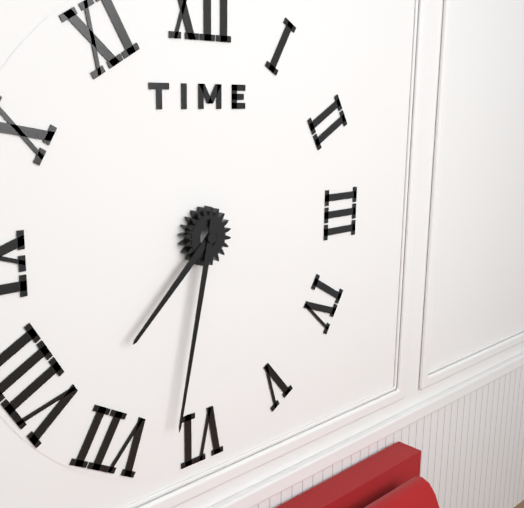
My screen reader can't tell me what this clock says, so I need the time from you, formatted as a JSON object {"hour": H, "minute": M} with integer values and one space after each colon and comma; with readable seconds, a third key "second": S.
{"hour": 7, "minute": 32}
